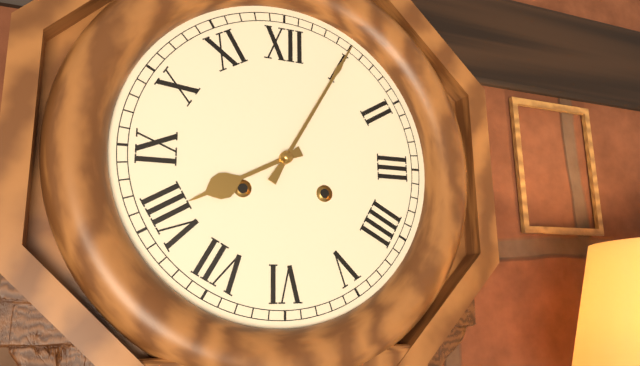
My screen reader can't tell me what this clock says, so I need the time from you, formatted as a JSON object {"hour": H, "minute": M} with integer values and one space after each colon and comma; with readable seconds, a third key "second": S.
{"hour": 8, "minute": 5}
